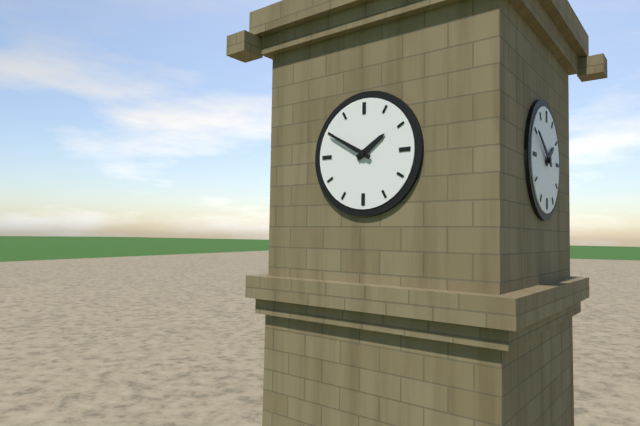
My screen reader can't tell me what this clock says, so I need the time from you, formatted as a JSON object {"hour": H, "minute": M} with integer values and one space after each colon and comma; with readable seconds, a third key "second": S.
{"hour": 1, "minute": 50}
